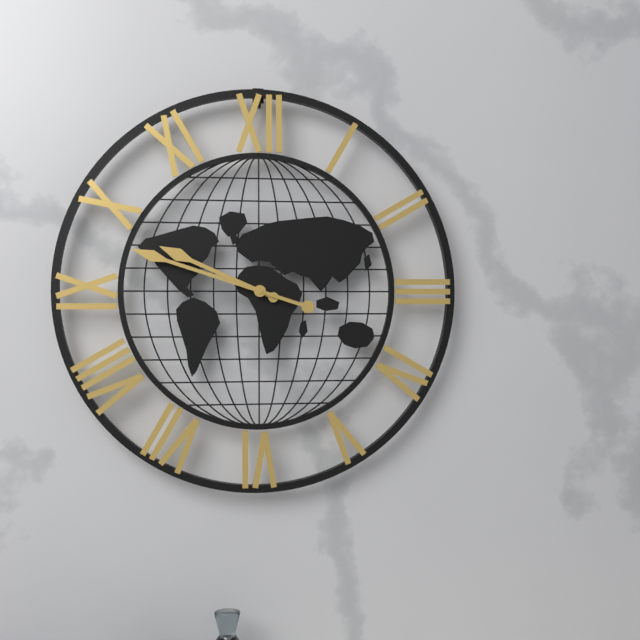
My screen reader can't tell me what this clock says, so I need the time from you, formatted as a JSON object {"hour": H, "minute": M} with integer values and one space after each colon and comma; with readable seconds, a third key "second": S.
{"hour": 9, "minute": 48}
